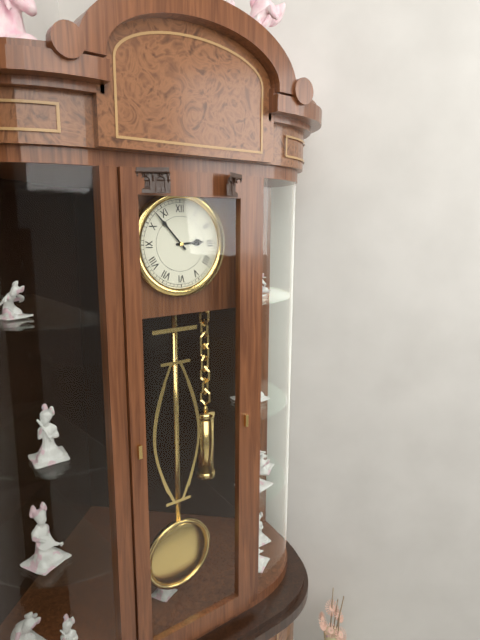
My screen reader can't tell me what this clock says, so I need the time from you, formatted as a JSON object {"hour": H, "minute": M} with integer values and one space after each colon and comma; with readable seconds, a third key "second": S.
{"hour": 2, "minute": 53}
